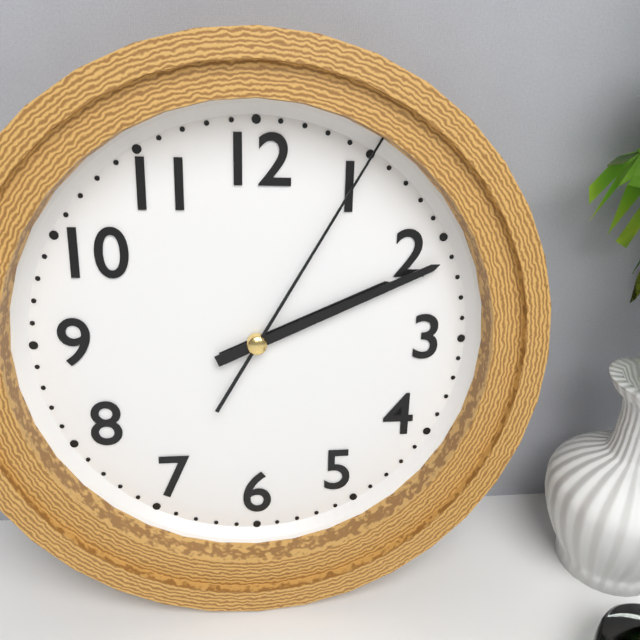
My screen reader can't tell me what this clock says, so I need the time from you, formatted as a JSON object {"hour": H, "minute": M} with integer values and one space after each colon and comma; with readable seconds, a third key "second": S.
{"hour": 2, "minute": 11, "second": 5}
